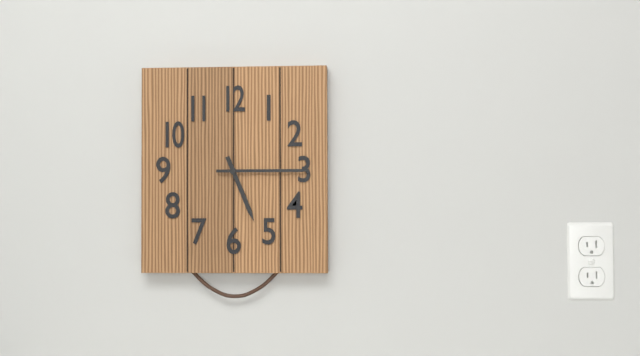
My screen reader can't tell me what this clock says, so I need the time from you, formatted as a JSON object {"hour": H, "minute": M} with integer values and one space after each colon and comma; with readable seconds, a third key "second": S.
{"hour": 5, "minute": 15}
